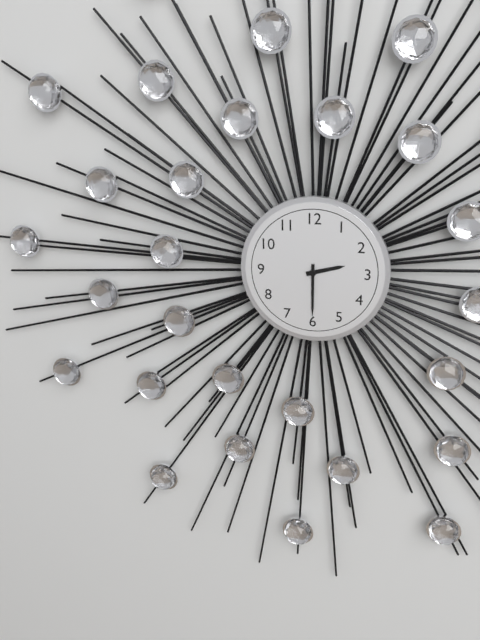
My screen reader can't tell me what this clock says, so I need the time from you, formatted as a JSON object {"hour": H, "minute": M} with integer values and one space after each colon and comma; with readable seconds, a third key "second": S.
{"hour": 2, "minute": 30}
